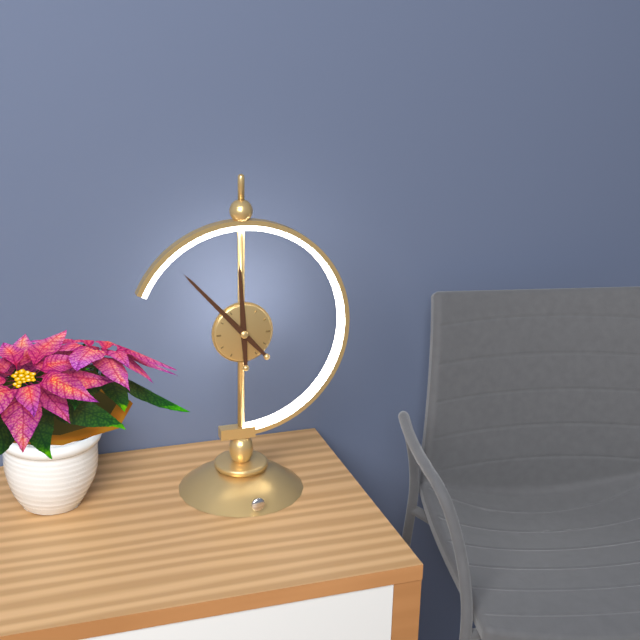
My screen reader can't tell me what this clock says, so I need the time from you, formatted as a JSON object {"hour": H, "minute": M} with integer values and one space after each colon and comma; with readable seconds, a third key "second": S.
{"hour": 11, "minute": 53}
